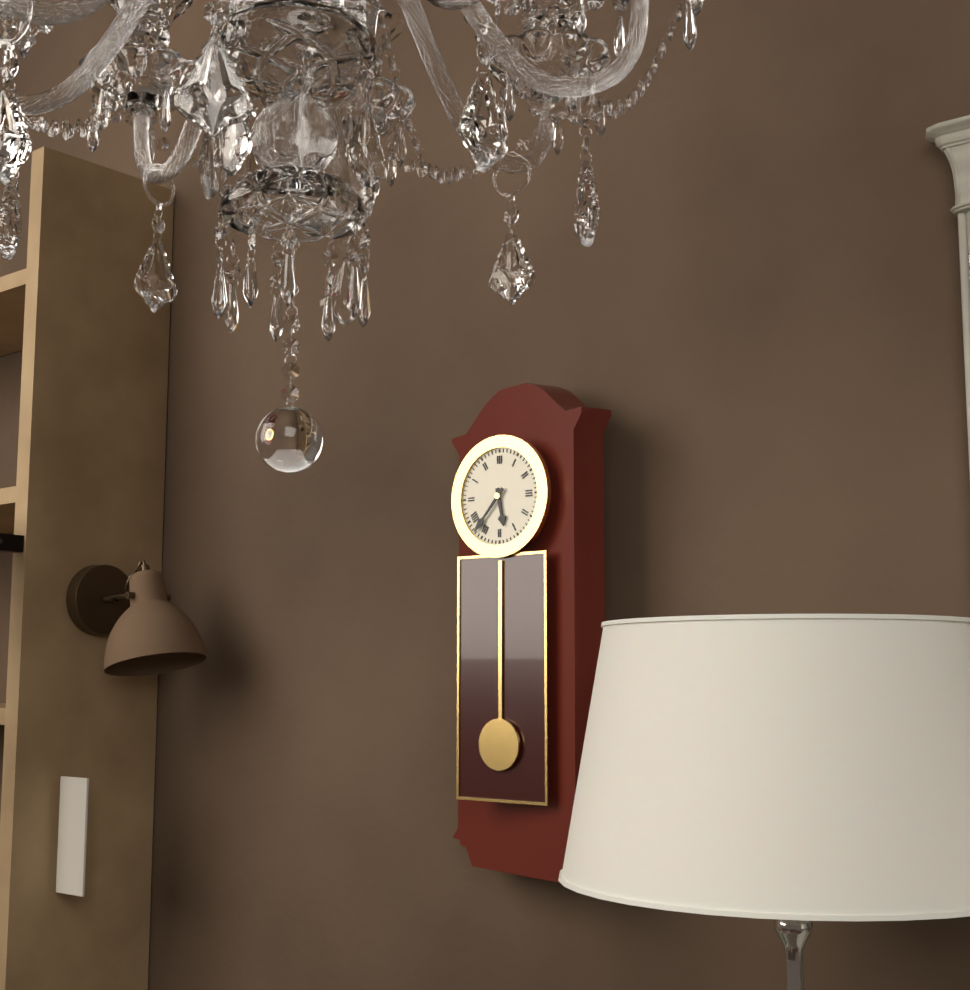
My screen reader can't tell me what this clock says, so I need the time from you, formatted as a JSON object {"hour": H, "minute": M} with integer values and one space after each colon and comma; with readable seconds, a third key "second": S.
{"hour": 5, "minute": 37}
